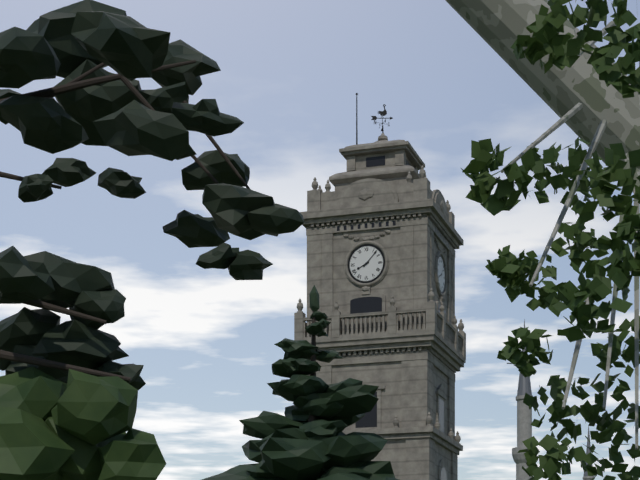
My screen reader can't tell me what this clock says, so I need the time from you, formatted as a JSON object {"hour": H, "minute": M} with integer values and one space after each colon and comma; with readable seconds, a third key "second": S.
{"hour": 8, "minute": 7}
